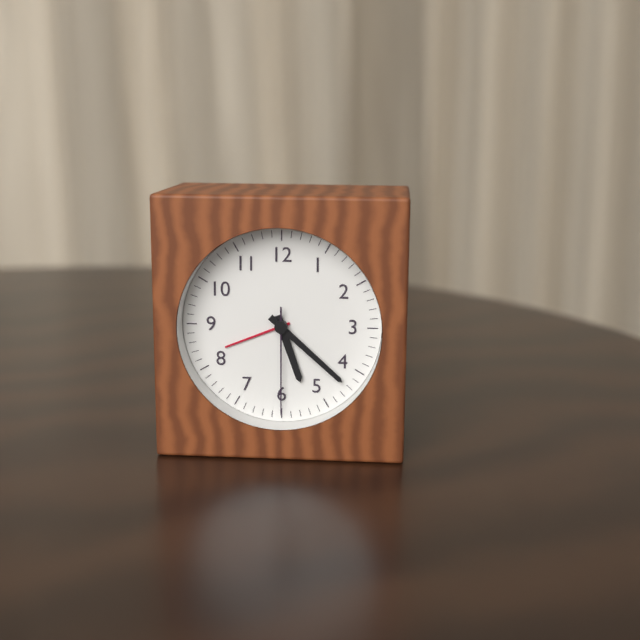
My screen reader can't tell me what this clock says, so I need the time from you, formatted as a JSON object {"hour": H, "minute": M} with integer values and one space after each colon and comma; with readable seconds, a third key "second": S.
{"hour": 5, "minute": 22, "second": 30}
